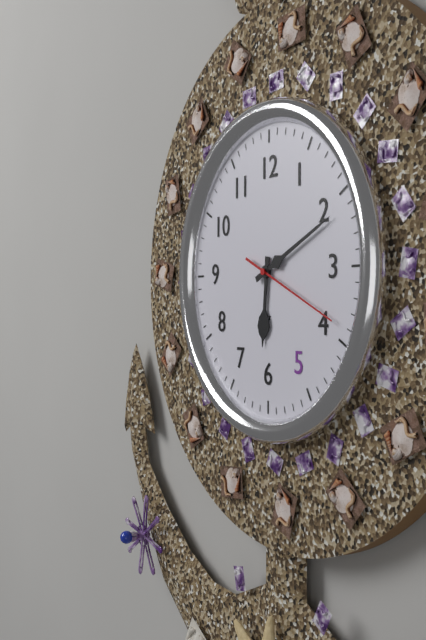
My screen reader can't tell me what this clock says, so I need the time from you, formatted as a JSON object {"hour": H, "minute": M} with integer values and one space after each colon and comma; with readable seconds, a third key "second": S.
{"hour": 6, "minute": 11, "second": 19}
